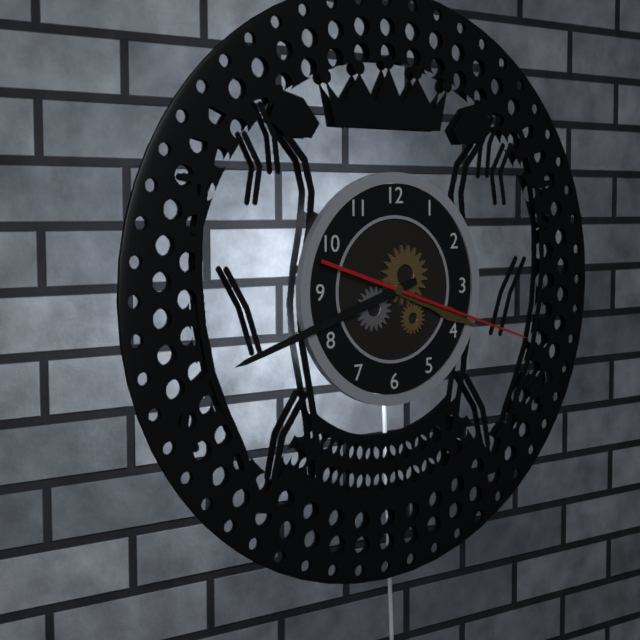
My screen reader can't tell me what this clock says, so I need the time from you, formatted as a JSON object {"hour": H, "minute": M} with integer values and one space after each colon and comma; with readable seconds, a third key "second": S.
{"hour": 3, "minute": 42, "second": 18}
